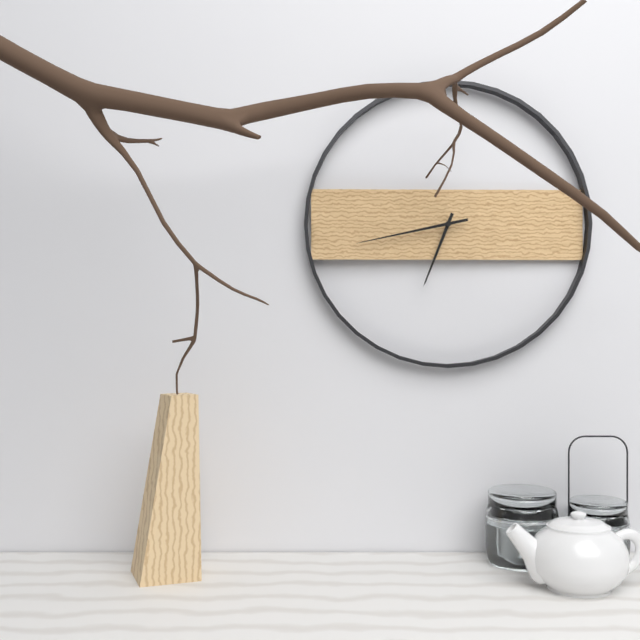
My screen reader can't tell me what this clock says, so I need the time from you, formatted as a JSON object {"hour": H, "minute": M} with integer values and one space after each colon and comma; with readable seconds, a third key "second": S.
{"hour": 6, "minute": 43}
